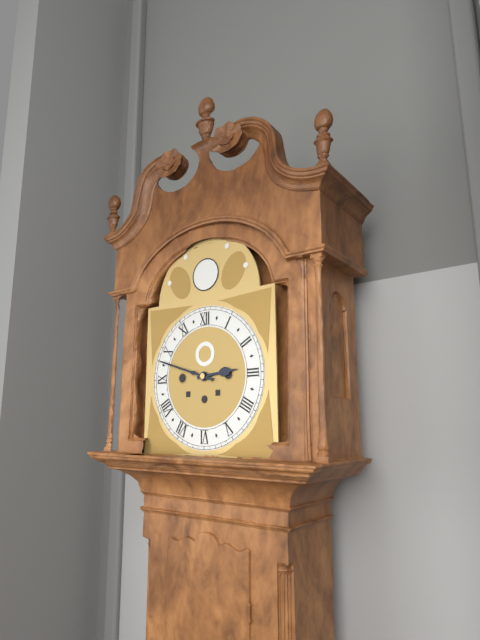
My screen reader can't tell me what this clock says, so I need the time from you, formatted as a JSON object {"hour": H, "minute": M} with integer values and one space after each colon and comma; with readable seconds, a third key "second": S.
{"hour": 2, "minute": 48}
